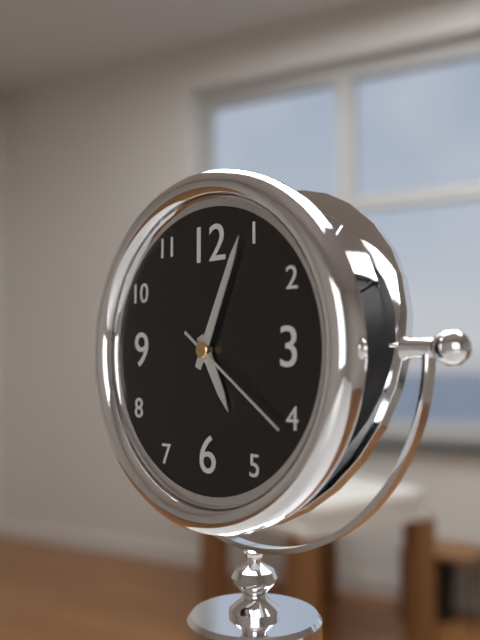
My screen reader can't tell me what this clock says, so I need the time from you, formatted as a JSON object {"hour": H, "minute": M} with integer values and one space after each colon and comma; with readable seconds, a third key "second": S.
{"hour": 5, "minute": 4, "second": 21}
